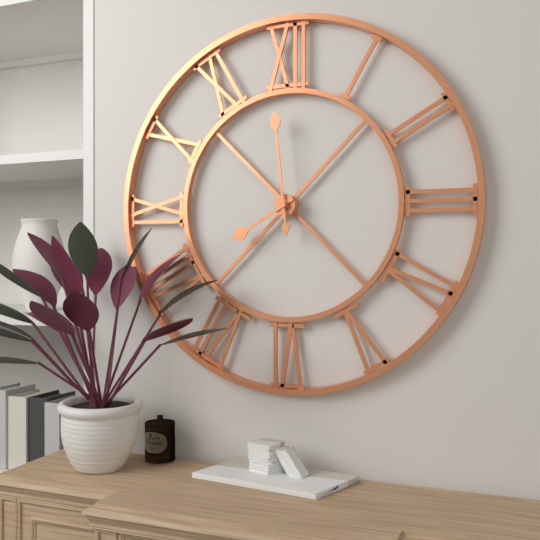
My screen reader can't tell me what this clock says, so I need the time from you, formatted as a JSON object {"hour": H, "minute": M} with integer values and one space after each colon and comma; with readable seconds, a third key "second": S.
{"hour": 7, "minute": 59}
